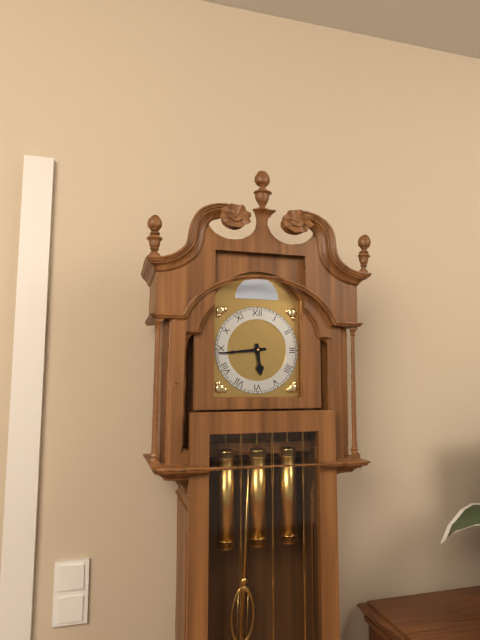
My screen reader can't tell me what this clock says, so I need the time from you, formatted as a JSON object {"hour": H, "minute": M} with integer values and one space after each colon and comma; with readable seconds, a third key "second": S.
{"hour": 5, "minute": 44}
